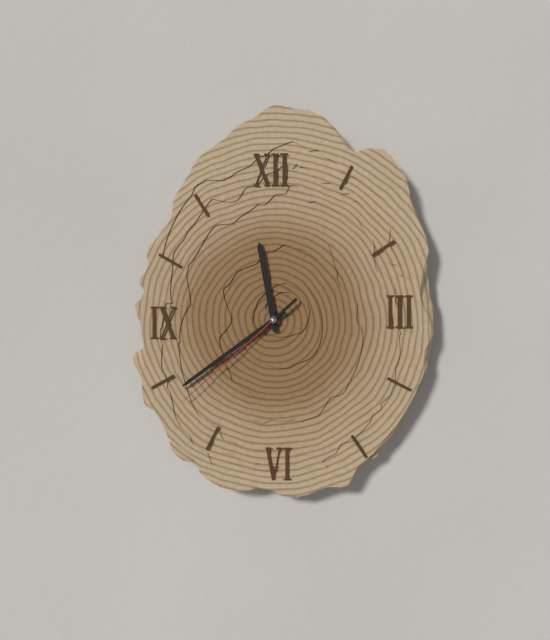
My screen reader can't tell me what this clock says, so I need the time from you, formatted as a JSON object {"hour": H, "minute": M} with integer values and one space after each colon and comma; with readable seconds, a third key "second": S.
{"hour": 11, "minute": 39, "second": 38}
